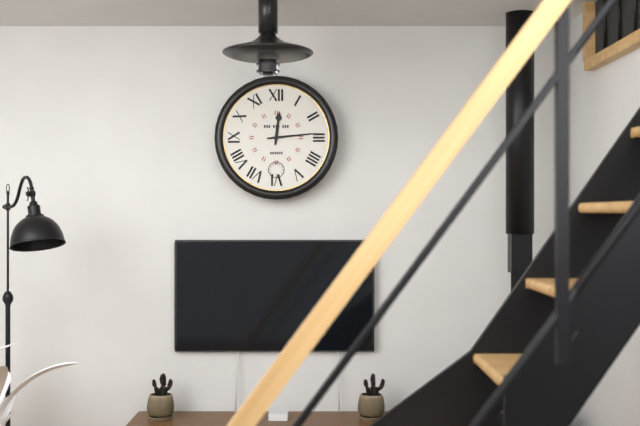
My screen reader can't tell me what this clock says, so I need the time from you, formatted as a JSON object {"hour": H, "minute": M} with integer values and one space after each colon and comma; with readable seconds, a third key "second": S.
{"hour": 12, "minute": 14}
